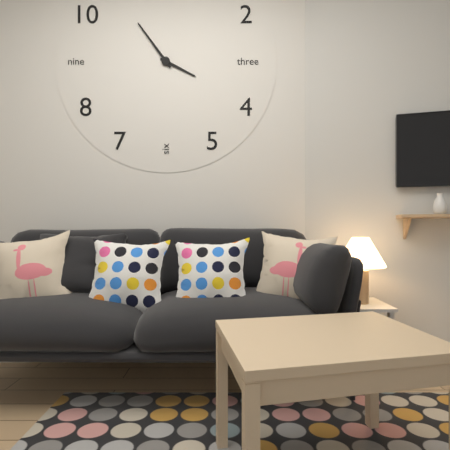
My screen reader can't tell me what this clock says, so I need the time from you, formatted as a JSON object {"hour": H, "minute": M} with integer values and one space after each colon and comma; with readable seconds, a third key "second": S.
{"hour": 3, "minute": 54}
